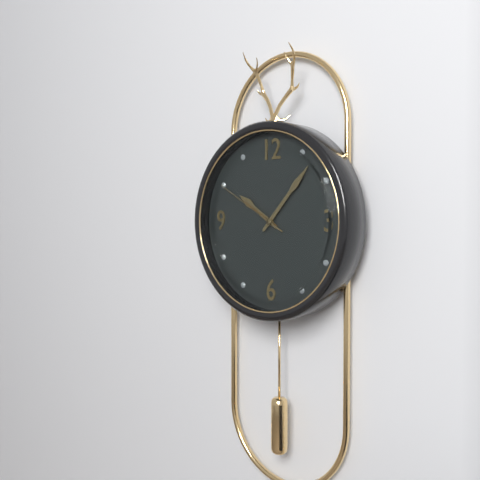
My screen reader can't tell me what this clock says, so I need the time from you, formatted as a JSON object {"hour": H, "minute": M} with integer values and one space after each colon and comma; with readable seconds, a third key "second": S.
{"hour": 10, "minute": 7, "second": 50}
